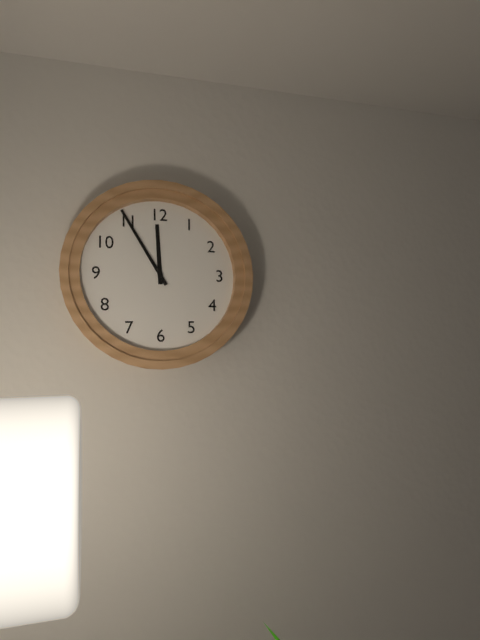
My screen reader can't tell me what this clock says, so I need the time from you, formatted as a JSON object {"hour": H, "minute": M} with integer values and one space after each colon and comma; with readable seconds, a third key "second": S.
{"hour": 11, "minute": 55}
